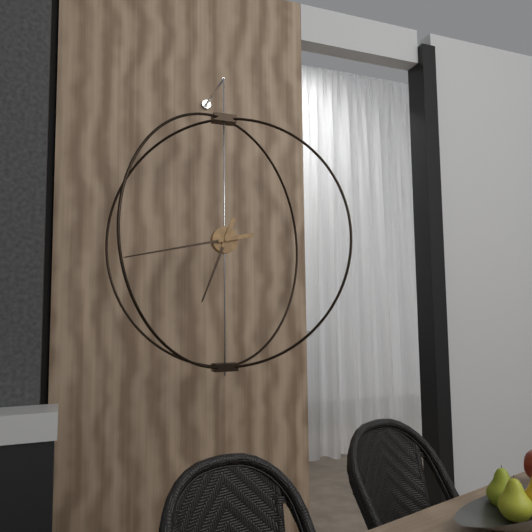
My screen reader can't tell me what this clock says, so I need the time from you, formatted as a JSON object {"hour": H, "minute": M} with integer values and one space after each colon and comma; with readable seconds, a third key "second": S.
{"hour": 6, "minute": 43}
